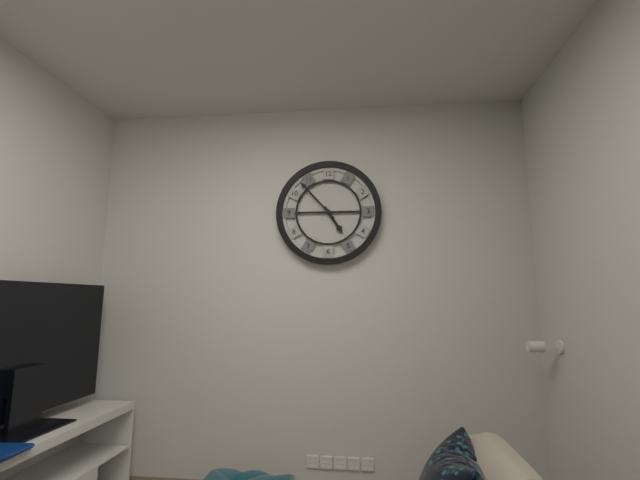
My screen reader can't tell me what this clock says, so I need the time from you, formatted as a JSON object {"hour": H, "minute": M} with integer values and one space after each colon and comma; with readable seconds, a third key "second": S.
{"hour": 4, "minute": 53}
